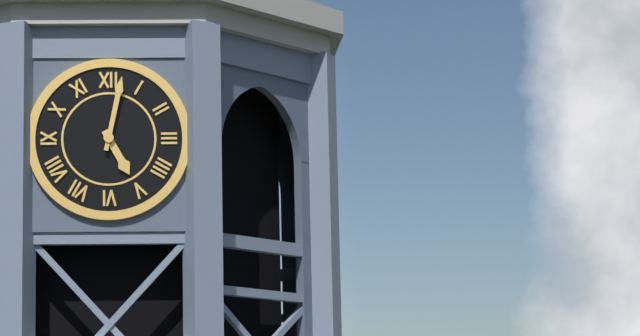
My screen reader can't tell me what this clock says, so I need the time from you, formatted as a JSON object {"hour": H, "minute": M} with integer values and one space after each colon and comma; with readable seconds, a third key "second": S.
{"hour": 5, "minute": 2}
